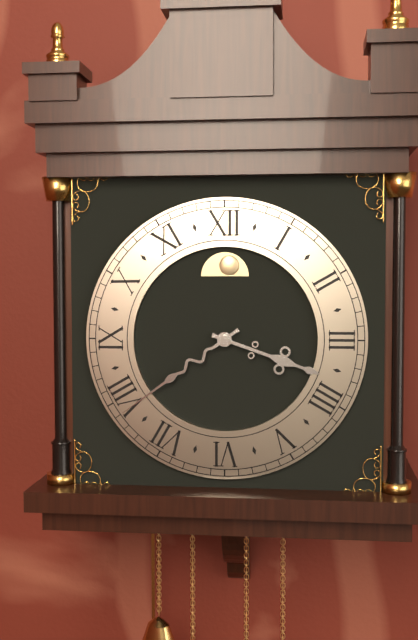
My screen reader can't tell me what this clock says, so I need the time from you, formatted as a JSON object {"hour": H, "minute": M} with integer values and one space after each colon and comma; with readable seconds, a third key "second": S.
{"hour": 3, "minute": 39}
